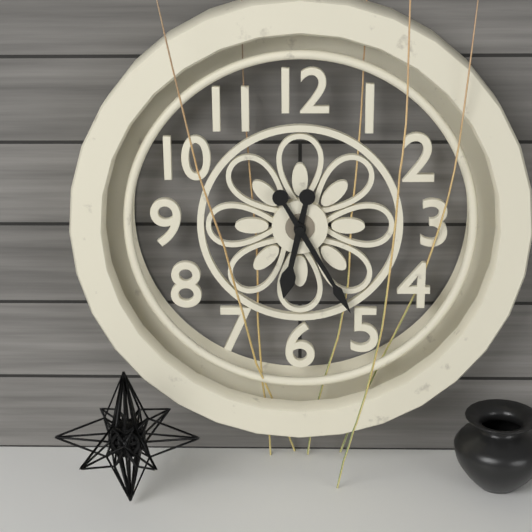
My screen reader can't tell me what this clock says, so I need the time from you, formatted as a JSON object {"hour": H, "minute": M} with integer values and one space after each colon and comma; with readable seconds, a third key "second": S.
{"hour": 6, "minute": 25}
